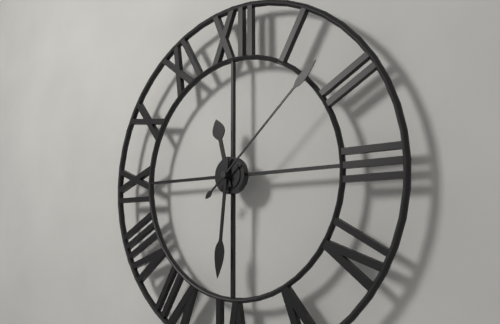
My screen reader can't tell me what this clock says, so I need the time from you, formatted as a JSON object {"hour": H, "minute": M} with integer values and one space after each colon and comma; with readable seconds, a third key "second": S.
{"hour": 11, "minute": 31, "second": 8}
